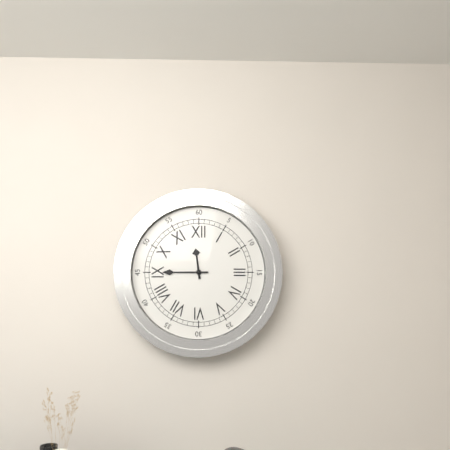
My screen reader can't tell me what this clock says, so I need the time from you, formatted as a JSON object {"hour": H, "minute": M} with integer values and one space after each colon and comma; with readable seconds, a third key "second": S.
{"hour": 11, "minute": 45}
